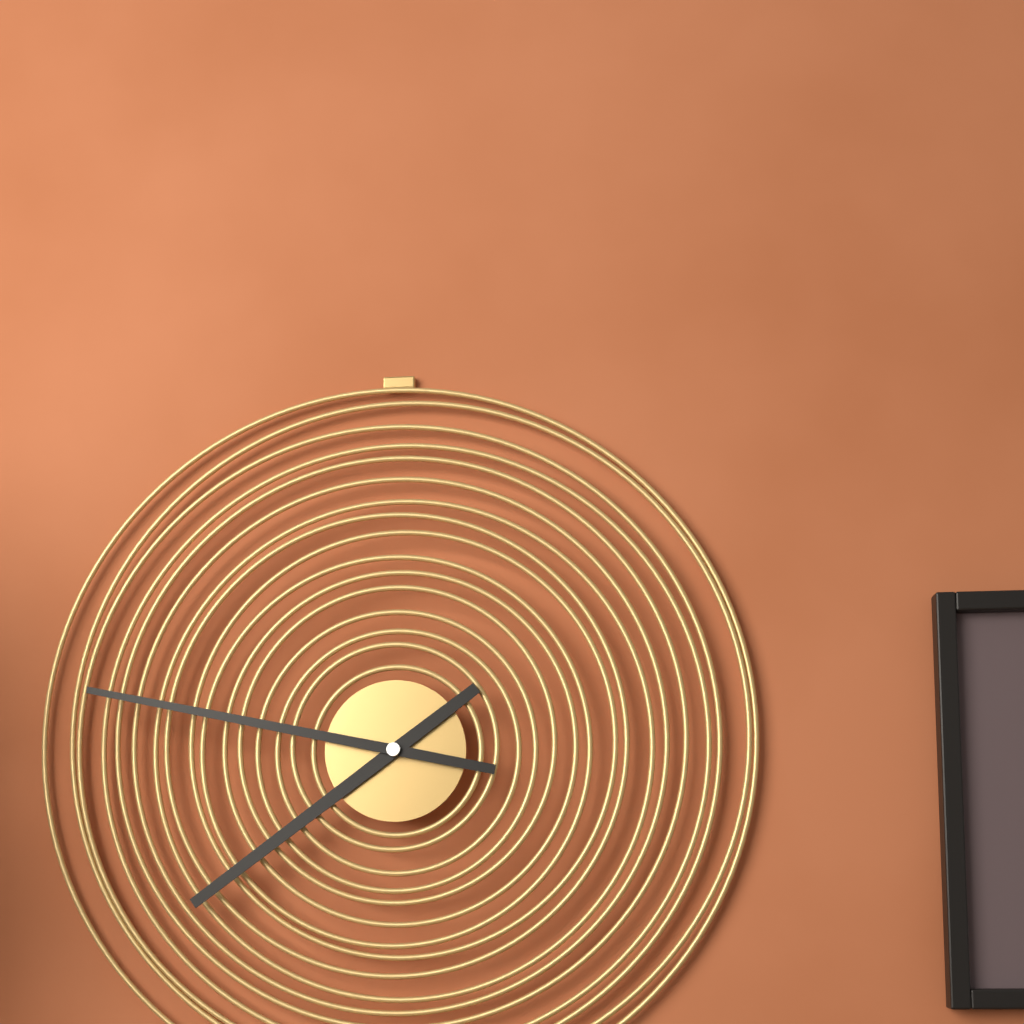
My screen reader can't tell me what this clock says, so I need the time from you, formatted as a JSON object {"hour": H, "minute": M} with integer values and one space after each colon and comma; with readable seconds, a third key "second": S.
{"hour": 7, "minute": 47}
